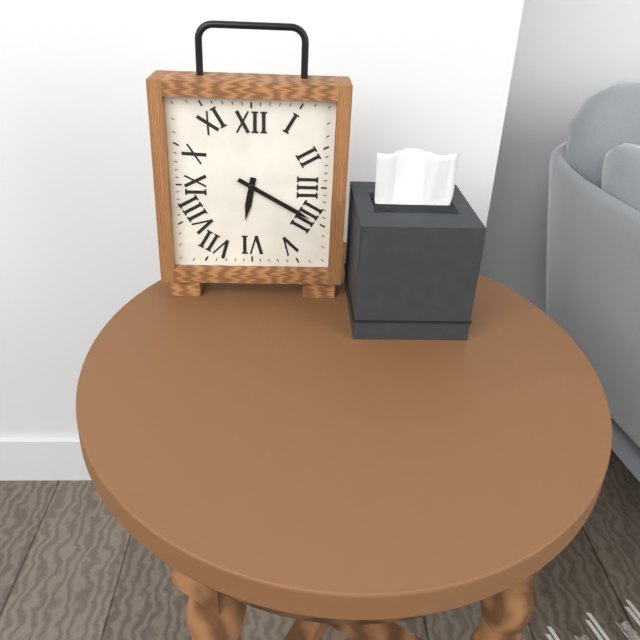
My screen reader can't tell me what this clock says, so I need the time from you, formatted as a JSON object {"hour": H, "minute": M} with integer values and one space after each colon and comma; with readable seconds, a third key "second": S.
{"hour": 6, "minute": 20}
